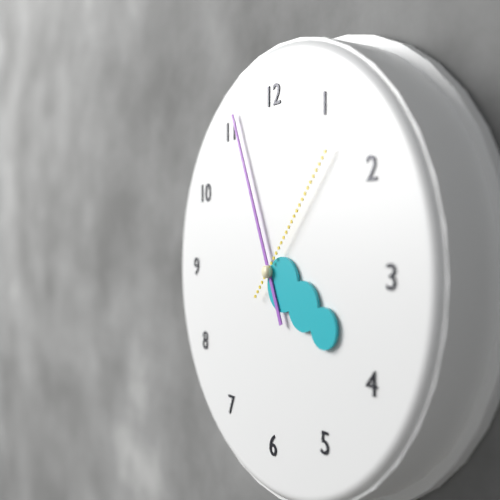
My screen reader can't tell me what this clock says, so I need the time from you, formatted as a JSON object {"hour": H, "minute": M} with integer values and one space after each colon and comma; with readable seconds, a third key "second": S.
{"hour": 3, "minute": 56, "second": 7}
